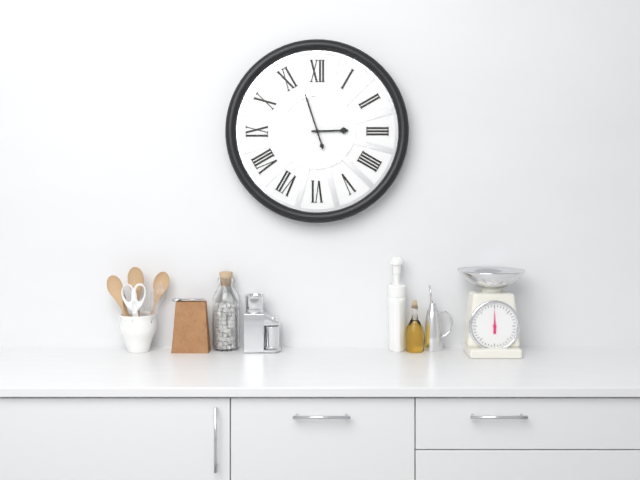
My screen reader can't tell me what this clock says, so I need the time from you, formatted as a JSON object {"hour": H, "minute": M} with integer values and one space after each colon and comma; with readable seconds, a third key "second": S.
{"hour": 2, "minute": 57}
